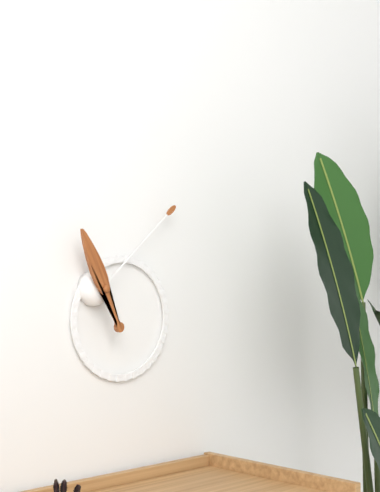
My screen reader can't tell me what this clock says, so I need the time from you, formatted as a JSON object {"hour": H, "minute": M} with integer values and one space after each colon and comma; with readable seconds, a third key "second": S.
{"hour": 11, "minute": 8}
